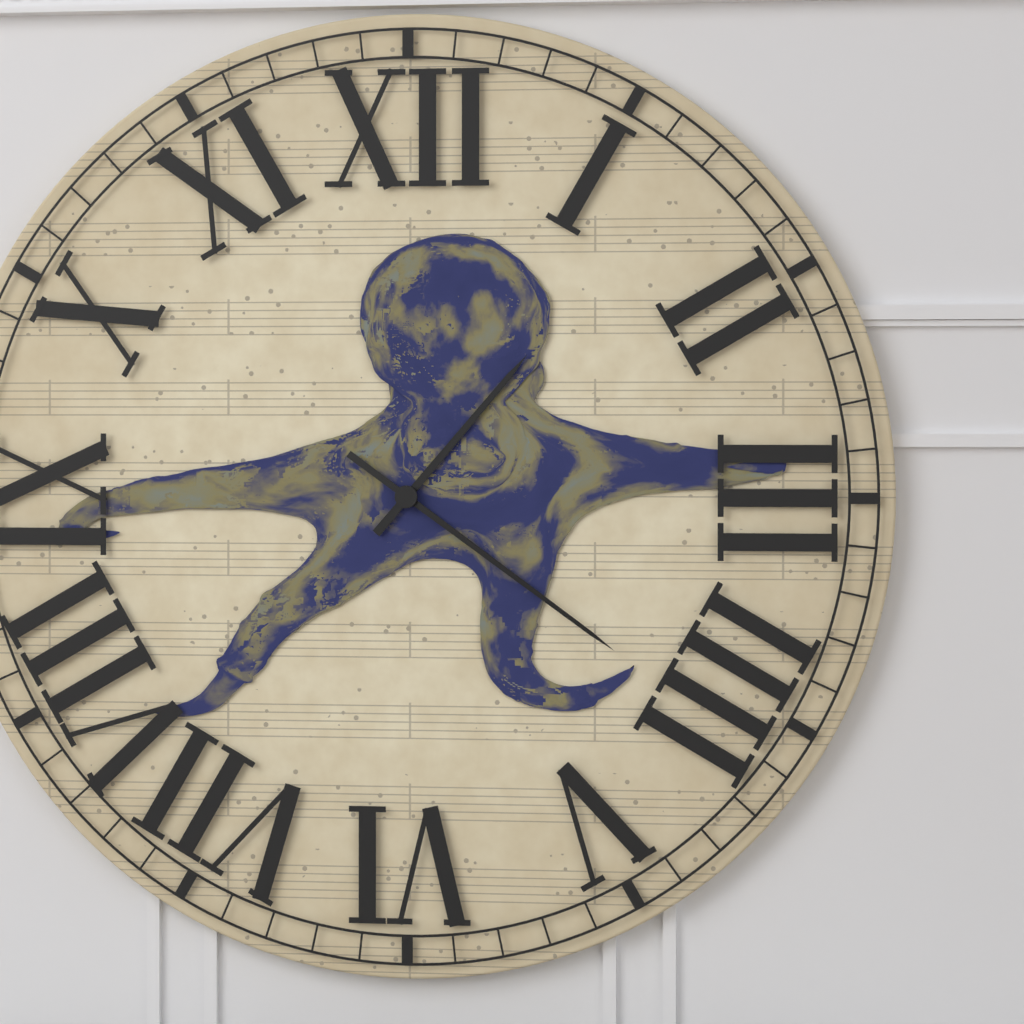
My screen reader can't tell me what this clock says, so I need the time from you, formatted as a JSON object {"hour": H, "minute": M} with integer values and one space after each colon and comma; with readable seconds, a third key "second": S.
{"hour": 1, "minute": 21}
